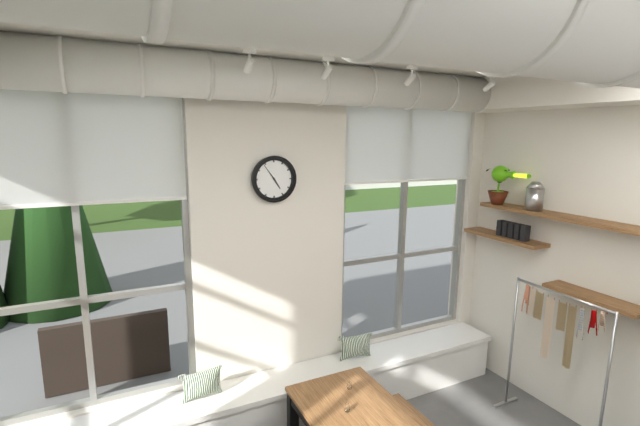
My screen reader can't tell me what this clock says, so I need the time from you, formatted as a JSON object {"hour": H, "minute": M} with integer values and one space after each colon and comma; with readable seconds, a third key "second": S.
{"hour": 4, "minute": 54}
